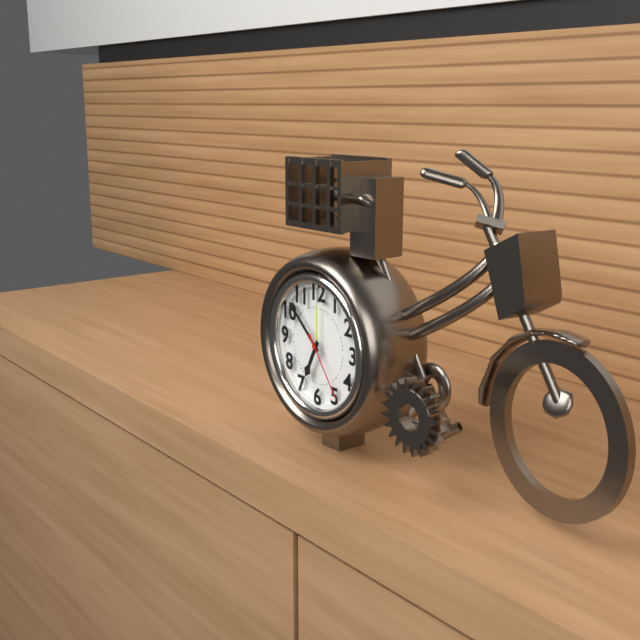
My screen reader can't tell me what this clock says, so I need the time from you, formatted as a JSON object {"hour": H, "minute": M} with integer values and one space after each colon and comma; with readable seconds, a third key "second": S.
{"hour": 6, "minute": 52, "second": 24}
